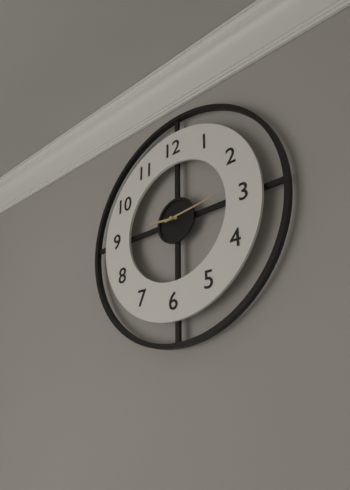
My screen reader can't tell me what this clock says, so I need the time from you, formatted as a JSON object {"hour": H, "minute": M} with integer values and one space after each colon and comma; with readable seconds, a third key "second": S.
{"hour": 9, "minute": 14}
